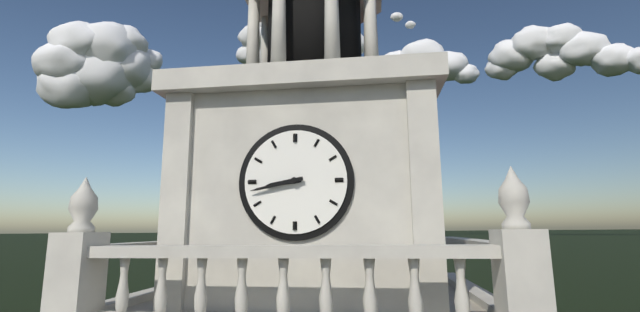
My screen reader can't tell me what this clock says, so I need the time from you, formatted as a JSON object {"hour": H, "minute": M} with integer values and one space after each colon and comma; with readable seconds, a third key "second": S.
{"hour": 8, "minute": 43}
